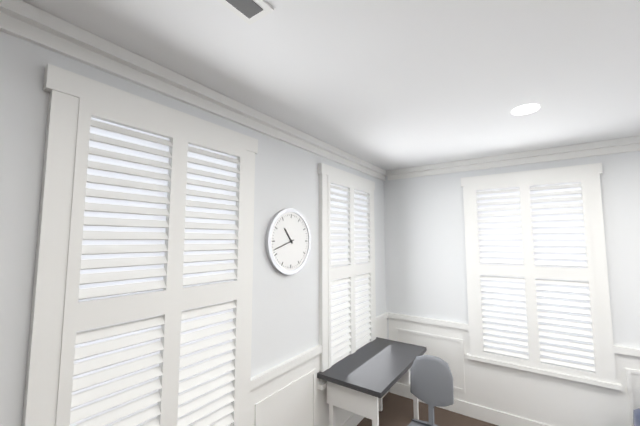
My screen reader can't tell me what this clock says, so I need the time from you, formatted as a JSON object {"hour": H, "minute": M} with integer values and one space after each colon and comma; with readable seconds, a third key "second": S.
{"hour": 10, "minute": 42}
